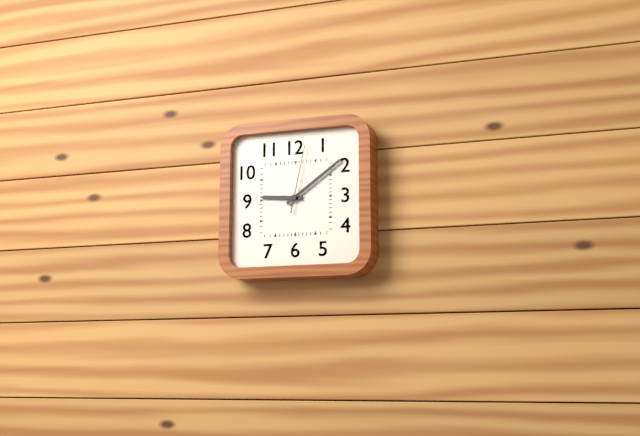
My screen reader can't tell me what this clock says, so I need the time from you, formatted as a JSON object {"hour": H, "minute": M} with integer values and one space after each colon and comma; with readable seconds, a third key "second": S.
{"hour": 9, "minute": 9, "second": 2}
